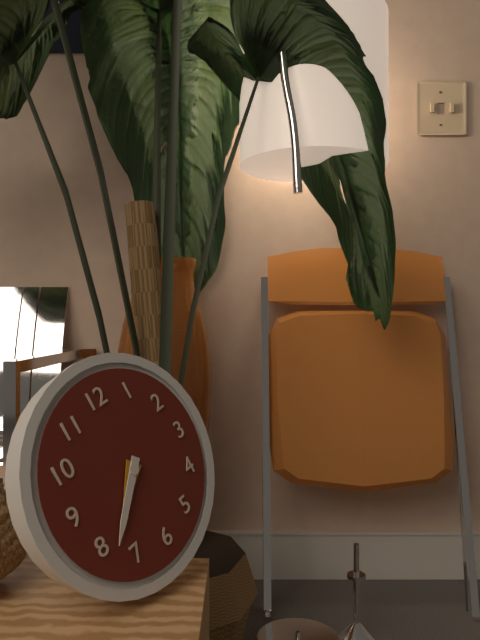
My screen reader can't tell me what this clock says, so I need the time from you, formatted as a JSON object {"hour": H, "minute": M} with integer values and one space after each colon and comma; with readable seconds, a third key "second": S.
{"hour": 7, "minute": 38}
